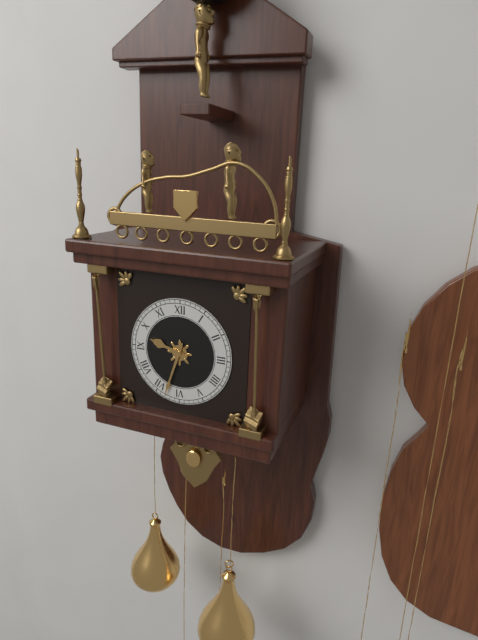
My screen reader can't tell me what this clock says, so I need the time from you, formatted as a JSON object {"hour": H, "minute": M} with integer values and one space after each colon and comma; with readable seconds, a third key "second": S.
{"hour": 9, "minute": 33}
